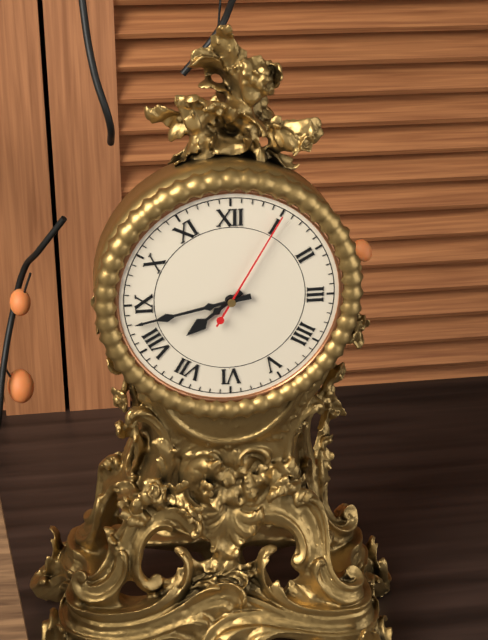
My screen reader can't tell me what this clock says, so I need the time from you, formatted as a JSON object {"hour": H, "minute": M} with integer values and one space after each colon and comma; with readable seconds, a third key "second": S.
{"hour": 7, "minute": 43, "second": 5}
